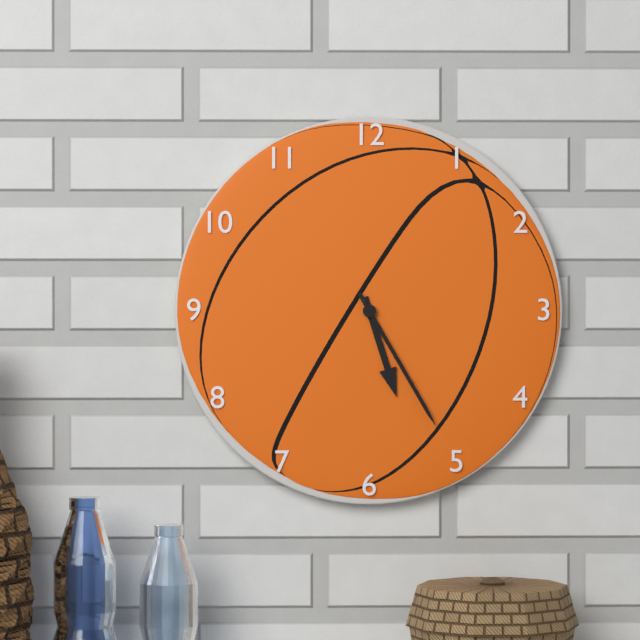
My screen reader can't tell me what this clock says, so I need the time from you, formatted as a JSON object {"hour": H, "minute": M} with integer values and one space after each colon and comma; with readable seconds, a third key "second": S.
{"hour": 5, "minute": 25}
